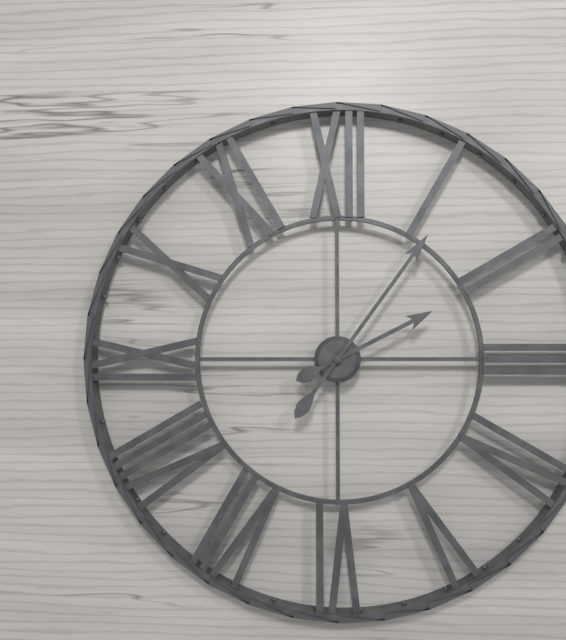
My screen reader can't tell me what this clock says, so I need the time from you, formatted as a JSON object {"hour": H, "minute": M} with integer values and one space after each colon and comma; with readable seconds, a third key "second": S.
{"hour": 2, "minute": 6}
